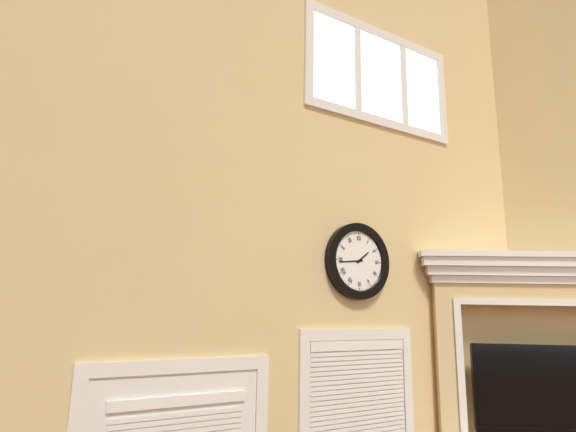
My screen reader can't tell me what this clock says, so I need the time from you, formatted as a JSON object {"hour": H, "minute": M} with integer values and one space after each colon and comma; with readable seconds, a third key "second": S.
{"hour": 1, "minute": 44}
